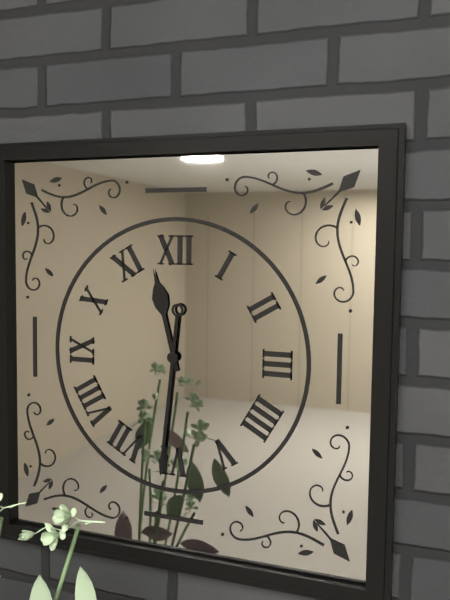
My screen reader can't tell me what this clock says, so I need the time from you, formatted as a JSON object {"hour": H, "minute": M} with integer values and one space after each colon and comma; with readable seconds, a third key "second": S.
{"hour": 11, "minute": 31}
